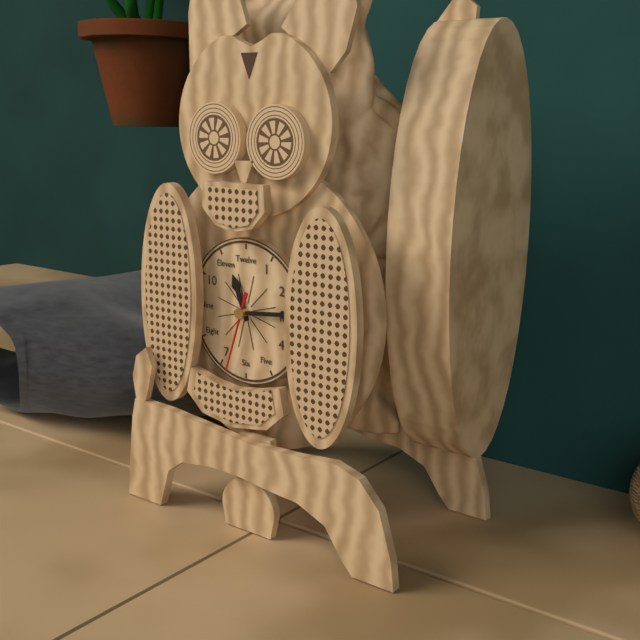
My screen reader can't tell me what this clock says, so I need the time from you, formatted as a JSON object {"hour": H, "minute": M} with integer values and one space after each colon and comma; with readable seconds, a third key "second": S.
{"hour": 11, "minute": 14, "second": 33}
